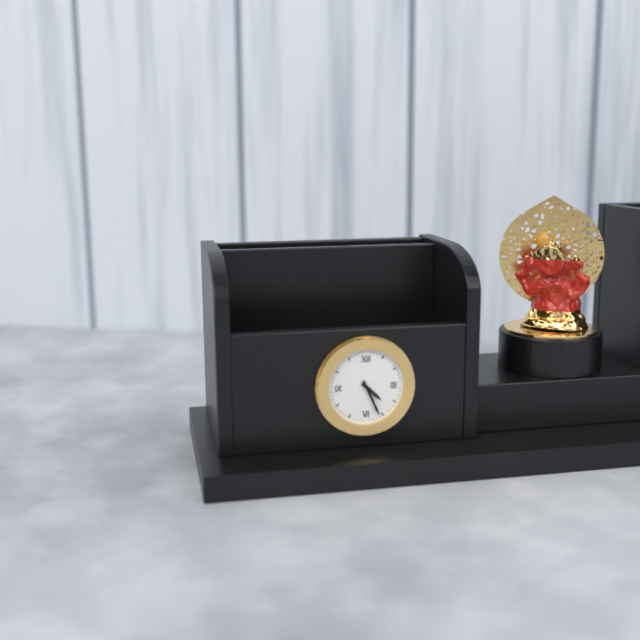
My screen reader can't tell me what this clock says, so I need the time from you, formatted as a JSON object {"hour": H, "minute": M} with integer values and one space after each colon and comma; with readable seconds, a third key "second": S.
{"hour": 4, "minute": 26}
